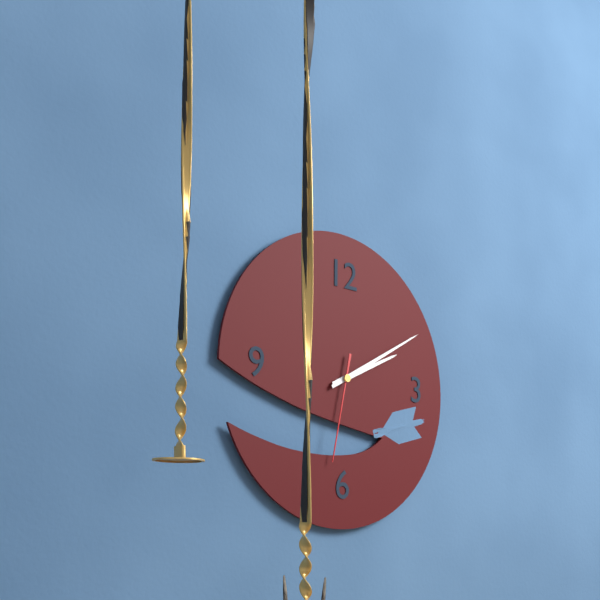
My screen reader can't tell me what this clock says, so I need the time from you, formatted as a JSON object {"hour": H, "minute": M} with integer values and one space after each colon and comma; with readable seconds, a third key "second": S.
{"hour": 2, "minute": 10, "second": 32}
